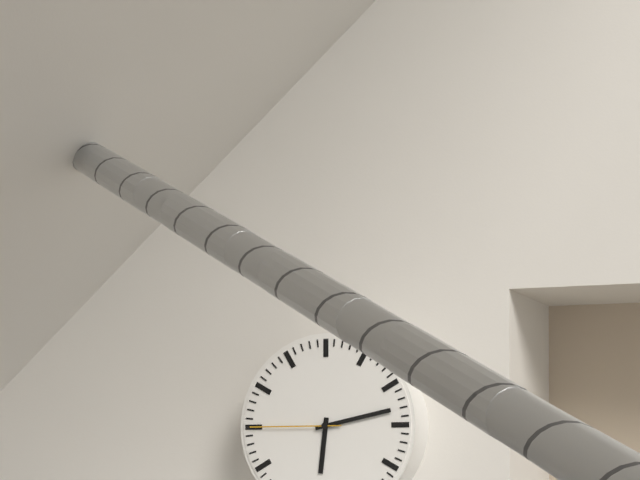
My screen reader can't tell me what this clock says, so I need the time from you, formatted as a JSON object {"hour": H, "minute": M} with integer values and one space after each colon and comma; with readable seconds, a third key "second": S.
{"hour": 6, "minute": 13, "second": 45}
